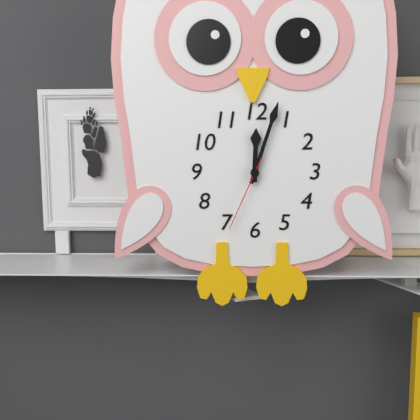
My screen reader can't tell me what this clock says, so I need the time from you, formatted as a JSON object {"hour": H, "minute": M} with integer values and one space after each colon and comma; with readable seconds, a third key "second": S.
{"hour": 12, "minute": 3, "second": 34}
